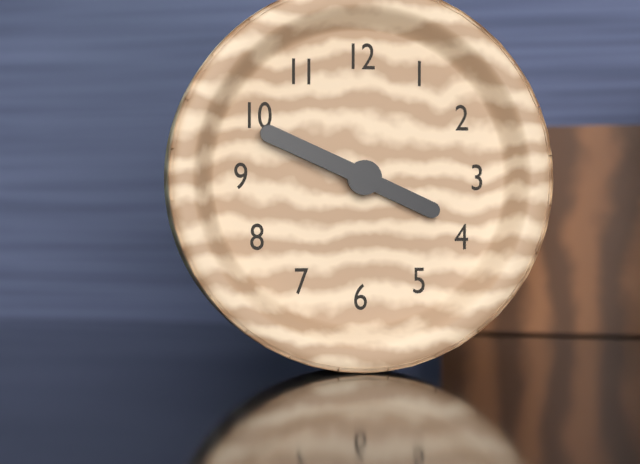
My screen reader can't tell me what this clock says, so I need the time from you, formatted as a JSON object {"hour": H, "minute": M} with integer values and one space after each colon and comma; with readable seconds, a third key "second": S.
{"hour": 3, "minute": 49}
